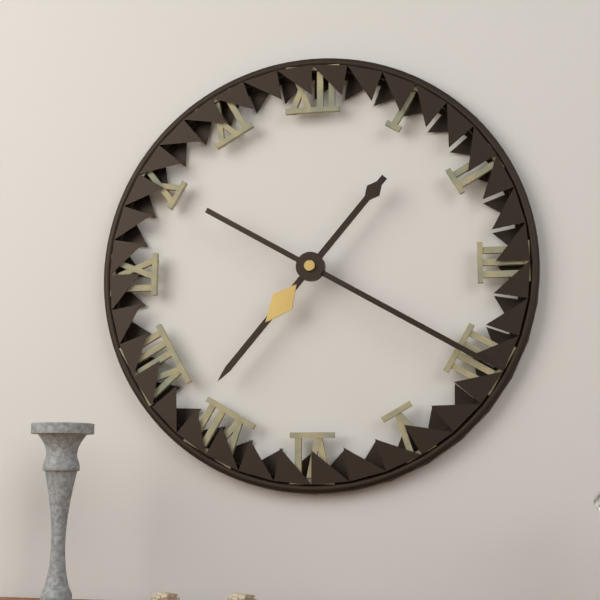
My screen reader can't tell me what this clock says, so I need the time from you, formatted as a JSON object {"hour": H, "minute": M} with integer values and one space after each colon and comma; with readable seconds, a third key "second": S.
{"hour": 7, "minute": 20}
